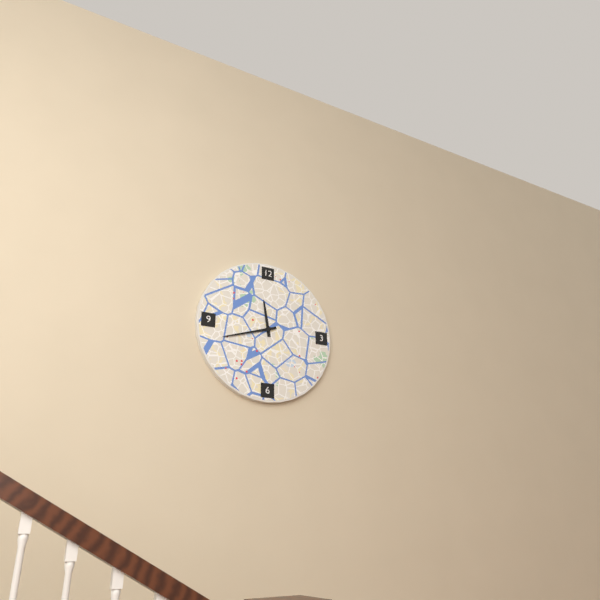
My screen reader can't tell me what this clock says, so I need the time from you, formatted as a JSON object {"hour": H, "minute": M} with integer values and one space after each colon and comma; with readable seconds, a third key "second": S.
{"hour": 11, "minute": 42}
